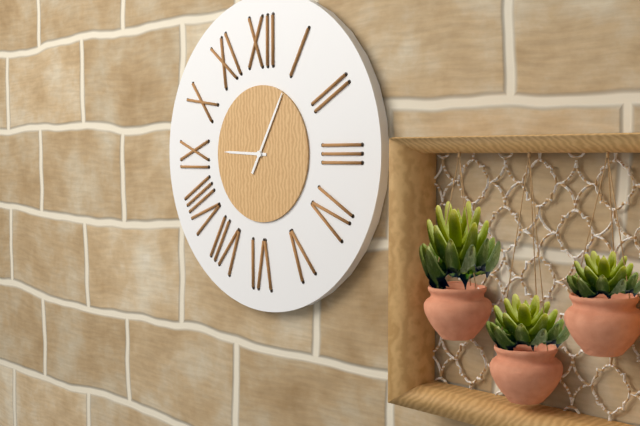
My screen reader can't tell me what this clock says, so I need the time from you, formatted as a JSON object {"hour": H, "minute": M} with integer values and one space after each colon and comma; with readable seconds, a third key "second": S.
{"hour": 9, "minute": 5}
